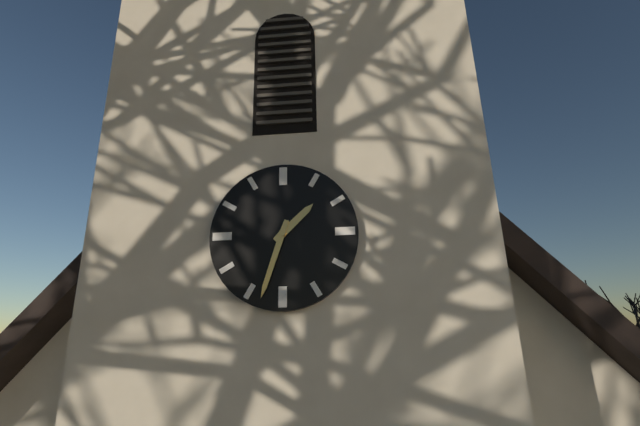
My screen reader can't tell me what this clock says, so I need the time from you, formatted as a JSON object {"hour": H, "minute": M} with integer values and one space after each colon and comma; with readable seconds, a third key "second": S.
{"hour": 1, "minute": 33}
